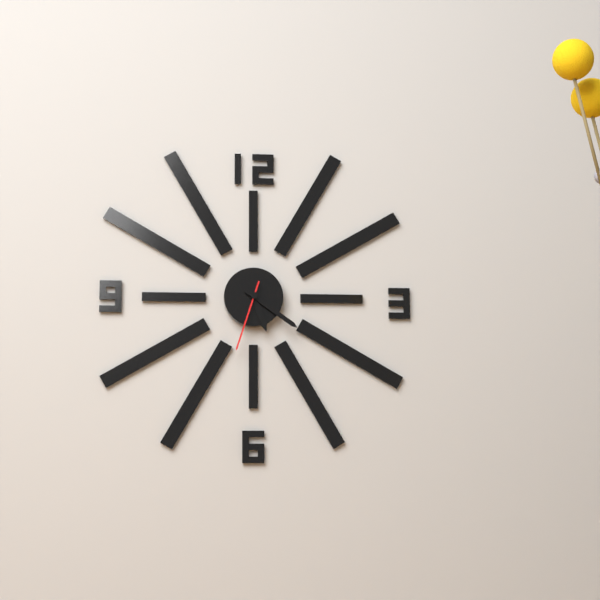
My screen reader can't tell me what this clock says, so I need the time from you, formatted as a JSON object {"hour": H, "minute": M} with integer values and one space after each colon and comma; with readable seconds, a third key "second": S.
{"hour": 5, "minute": 21, "second": 33}
